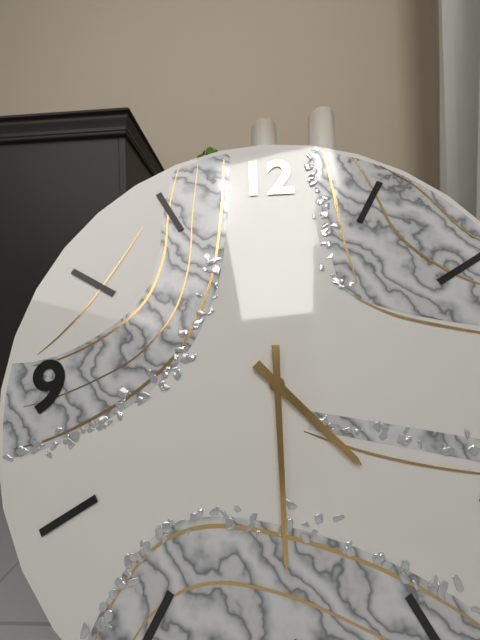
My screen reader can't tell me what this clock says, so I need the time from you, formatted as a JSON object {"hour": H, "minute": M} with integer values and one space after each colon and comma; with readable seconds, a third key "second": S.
{"hour": 4, "minute": 30}
